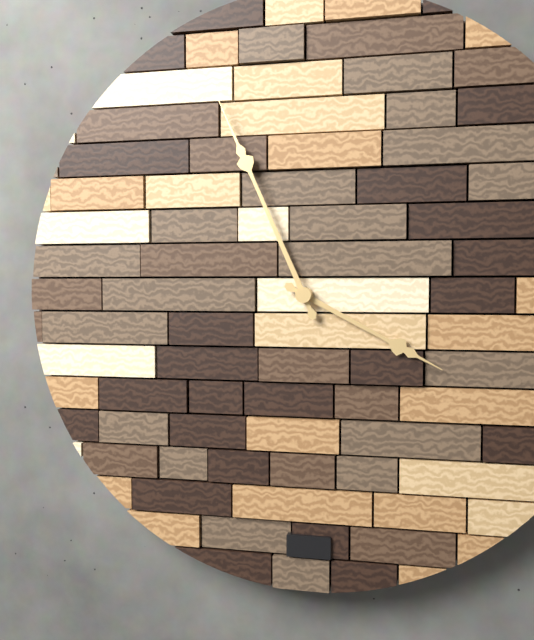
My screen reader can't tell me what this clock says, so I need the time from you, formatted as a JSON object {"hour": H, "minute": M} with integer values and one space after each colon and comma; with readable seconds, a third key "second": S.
{"hour": 3, "minute": 56}
